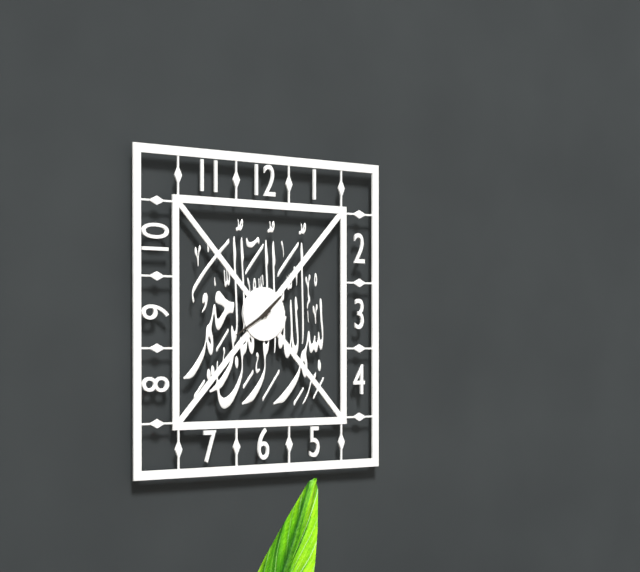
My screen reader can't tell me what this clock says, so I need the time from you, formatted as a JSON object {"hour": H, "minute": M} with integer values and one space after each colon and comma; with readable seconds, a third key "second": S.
{"hour": 1, "minute": 40}
